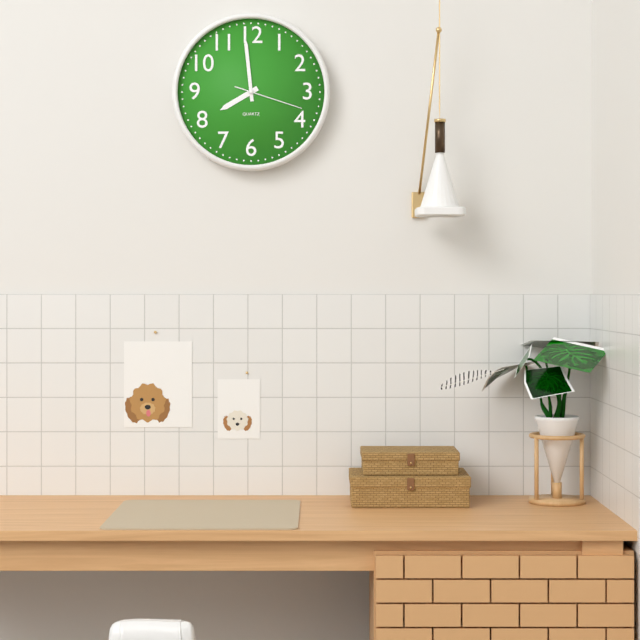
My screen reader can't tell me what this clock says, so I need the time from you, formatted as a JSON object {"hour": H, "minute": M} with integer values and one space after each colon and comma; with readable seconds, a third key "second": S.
{"hour": 7, "minute": 59, "second": 18}
